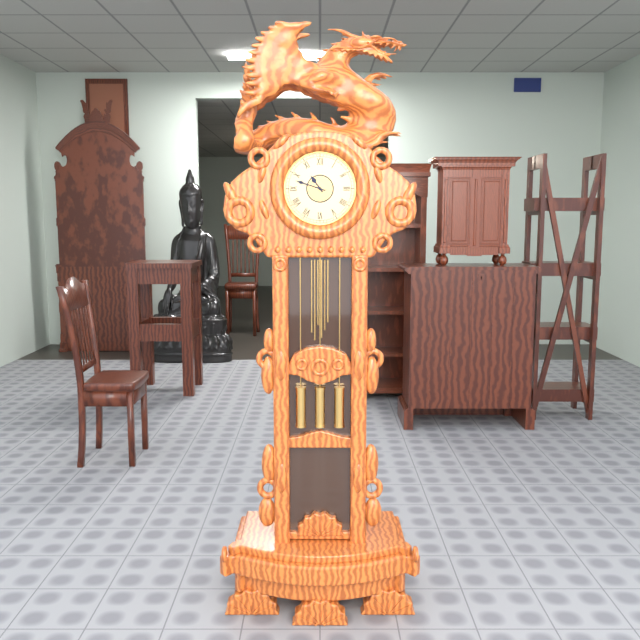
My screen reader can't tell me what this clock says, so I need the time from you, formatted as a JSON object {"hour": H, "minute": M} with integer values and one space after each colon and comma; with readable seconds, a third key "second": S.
{"hour": 10, "minute": 48}
